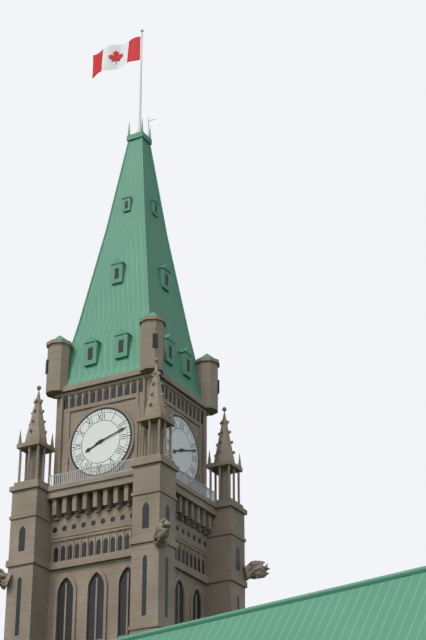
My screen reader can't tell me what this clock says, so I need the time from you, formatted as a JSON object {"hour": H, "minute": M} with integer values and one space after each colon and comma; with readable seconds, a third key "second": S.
{"hour": 8, "minute": 12}
